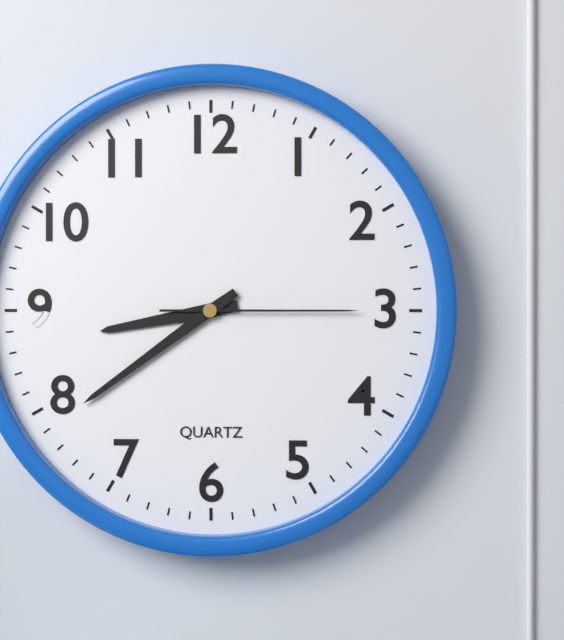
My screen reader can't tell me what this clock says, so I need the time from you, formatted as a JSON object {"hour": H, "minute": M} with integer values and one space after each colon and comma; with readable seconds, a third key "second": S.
{"hour": 8, "minute": 39, "second": 15}
